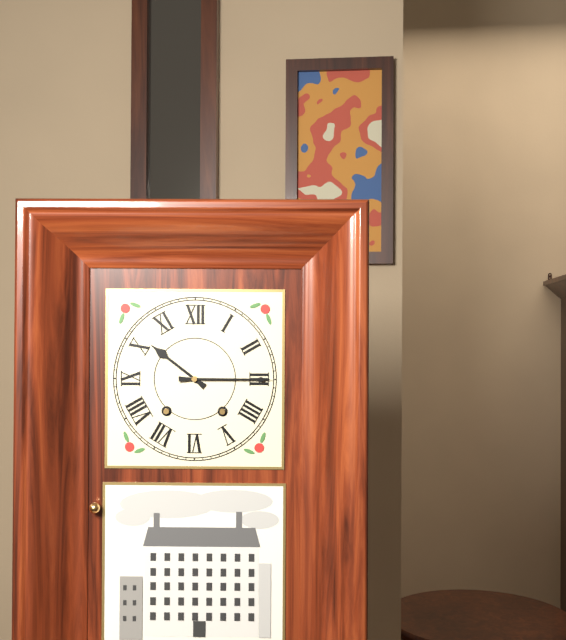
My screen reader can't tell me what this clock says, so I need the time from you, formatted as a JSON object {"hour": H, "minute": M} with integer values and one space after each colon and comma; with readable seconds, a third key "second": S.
{"hour": 10, "minute": 15}
